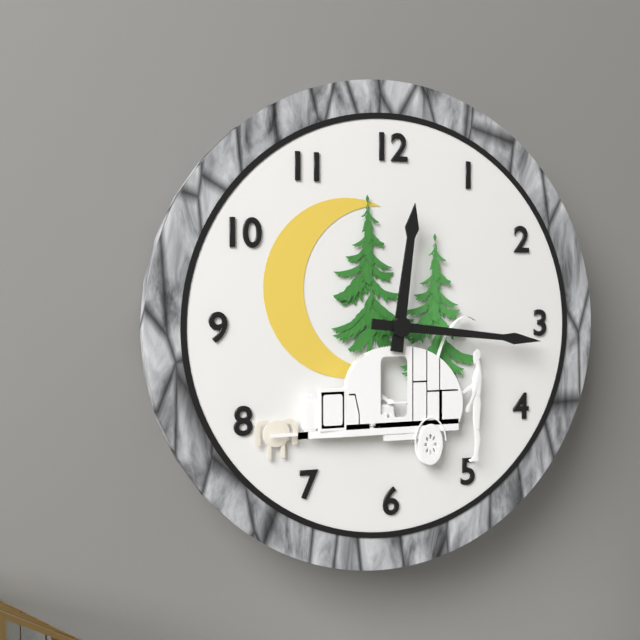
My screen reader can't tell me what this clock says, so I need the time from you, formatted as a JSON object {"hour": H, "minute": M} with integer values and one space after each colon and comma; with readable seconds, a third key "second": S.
{"hour": 12, "minute": 16}
